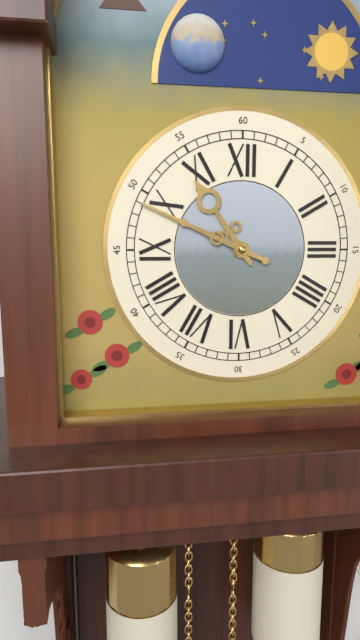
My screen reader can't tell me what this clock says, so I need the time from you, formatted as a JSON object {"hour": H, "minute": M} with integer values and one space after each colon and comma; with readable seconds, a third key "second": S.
{"hour": 10, "minute": 49}
